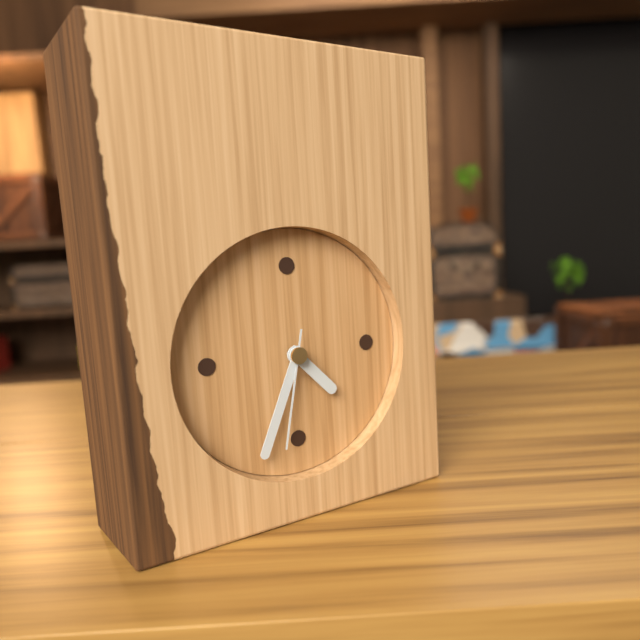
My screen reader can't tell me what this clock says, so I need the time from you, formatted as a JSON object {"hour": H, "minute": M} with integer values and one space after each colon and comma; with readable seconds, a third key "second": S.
{"hour": 4, "minute": 34, "second": 32}
